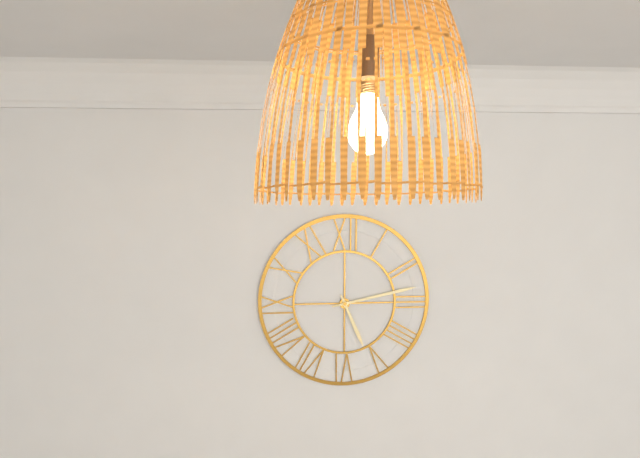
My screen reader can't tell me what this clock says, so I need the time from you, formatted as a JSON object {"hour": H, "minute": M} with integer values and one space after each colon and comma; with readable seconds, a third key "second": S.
{"hour": 5, "minute": 13}
